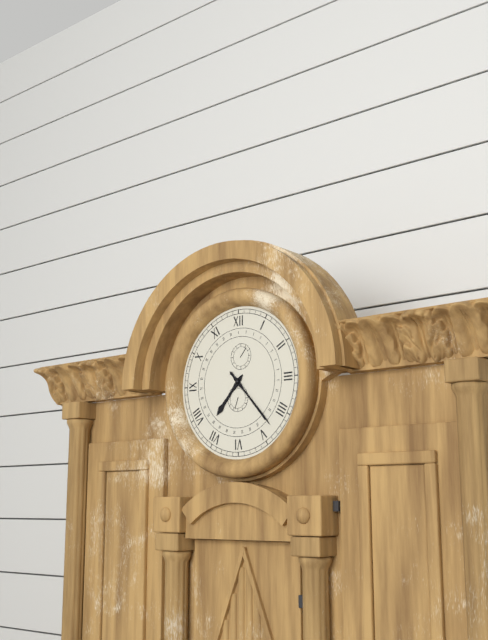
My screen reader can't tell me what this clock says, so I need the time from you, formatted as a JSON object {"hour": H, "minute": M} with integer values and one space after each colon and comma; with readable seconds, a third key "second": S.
{"hour": 7, "minute": 23}
